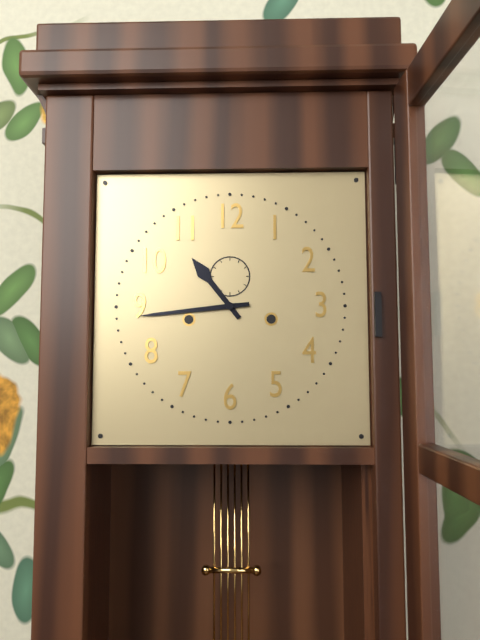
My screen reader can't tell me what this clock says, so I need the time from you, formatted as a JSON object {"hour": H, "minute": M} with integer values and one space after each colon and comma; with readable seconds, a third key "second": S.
{"hour": 10, "minute": 44}
